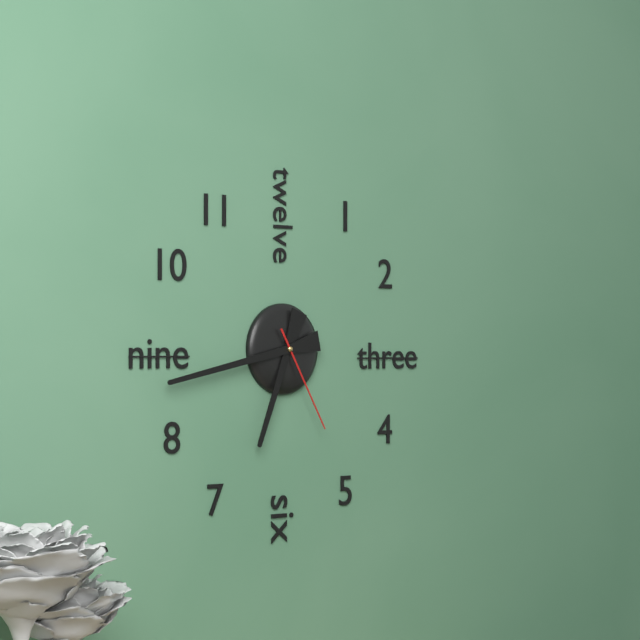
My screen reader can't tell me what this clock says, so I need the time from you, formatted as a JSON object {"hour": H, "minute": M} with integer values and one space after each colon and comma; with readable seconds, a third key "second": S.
{"hour": 6, "minute": 43, "second": 25}
